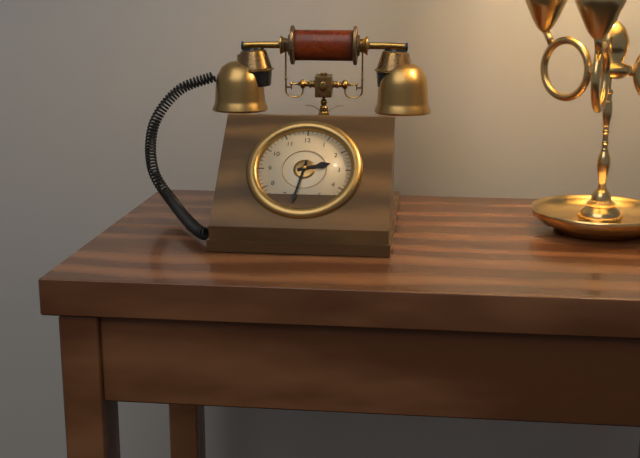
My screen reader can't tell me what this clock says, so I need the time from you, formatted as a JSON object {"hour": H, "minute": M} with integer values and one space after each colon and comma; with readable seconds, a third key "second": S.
{"hour": 2, "minute": 32}
